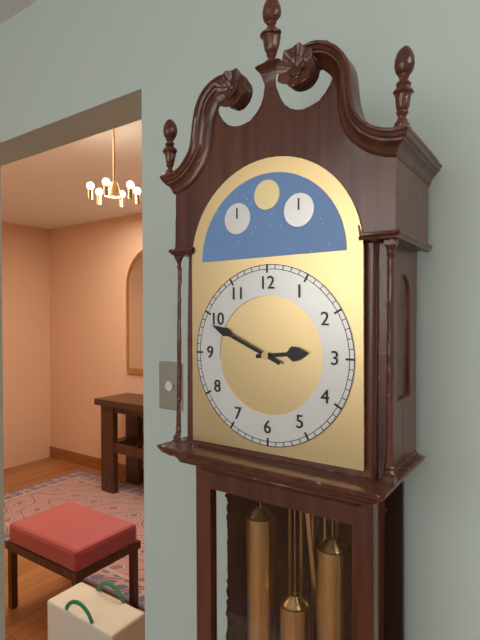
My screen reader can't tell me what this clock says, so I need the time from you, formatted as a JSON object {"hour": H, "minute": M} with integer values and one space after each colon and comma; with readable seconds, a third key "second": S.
{"hour": 2, "minute": 49}
